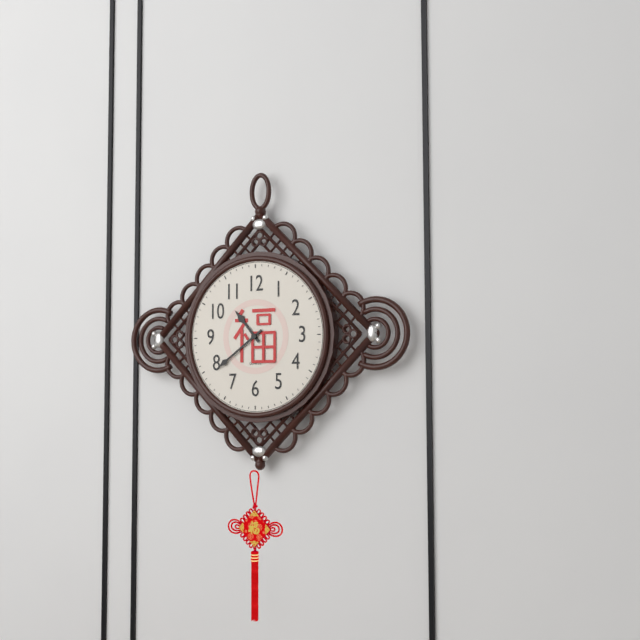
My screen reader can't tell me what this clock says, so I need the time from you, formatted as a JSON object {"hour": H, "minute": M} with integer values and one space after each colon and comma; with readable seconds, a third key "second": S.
{"hour": 10, "minute": 39}
